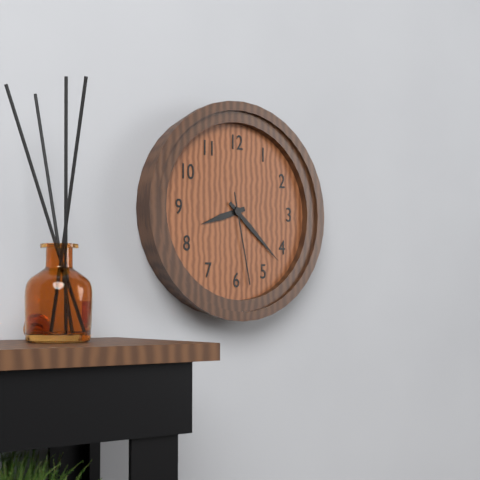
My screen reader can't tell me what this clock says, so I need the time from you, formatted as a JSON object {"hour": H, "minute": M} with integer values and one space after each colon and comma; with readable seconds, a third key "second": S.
{"hour": 8, "minute": 22, "second": 28}
